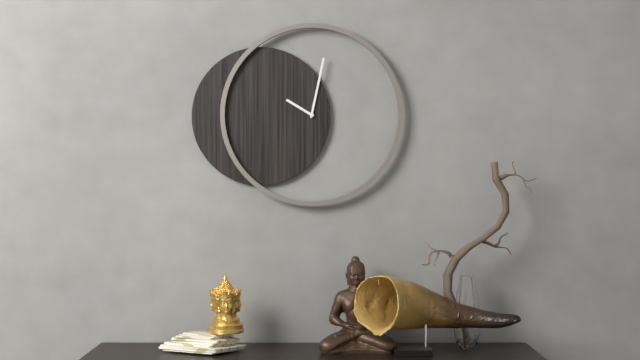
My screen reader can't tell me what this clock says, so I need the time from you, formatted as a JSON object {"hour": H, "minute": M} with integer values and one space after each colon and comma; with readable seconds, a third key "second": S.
{"hour": 10, "minute": 2}
